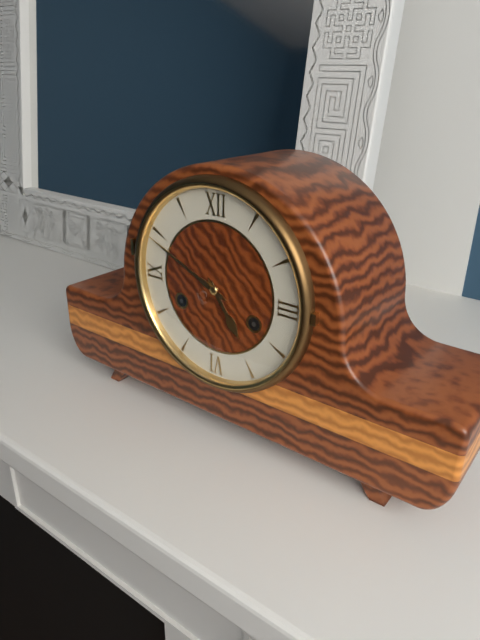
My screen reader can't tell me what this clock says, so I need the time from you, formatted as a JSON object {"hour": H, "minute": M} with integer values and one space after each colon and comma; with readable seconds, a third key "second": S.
{"hour": 4, "minute": 49}
